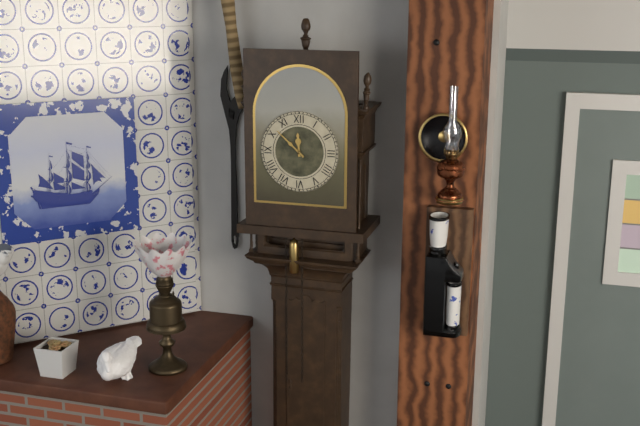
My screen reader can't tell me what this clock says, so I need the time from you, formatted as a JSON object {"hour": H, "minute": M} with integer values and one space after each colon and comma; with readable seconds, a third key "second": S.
{"hour": 11, "minute": 52}
